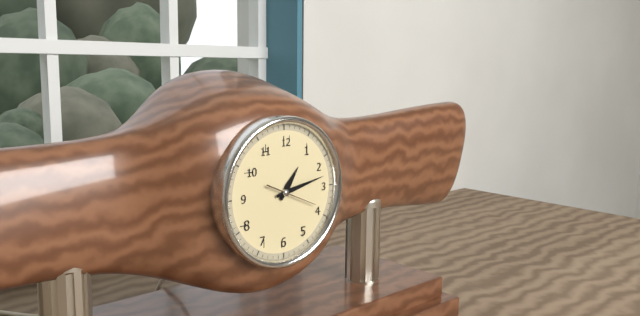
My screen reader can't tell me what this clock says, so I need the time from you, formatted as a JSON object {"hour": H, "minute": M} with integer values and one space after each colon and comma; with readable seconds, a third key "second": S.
{"hour": 1, "minute": 13}
